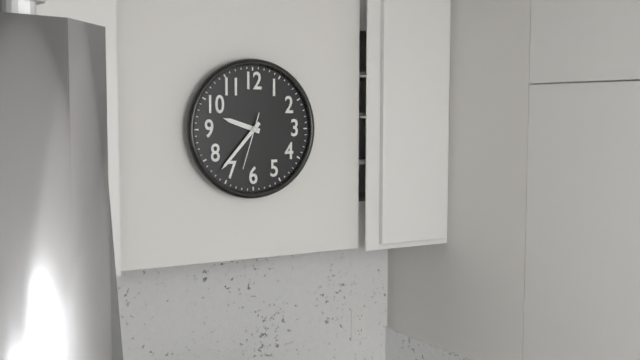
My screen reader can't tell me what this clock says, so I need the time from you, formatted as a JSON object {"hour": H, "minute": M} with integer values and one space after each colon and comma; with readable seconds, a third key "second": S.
{"hour": 9, "minute": 37, "second": 33}
